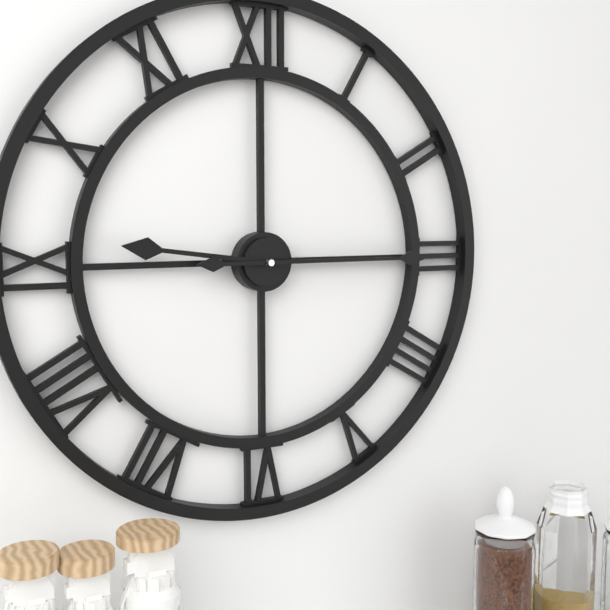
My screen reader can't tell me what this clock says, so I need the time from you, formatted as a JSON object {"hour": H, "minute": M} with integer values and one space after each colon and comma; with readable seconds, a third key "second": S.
{"hour": 9, "minute": 15}
